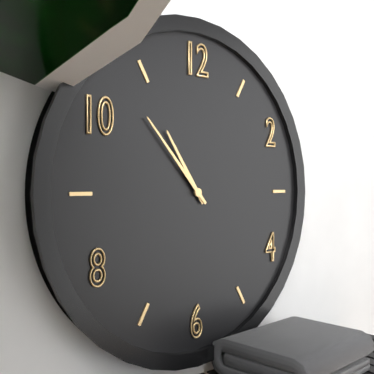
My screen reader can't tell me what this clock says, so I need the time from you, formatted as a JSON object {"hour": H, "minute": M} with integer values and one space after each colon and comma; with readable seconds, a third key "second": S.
{"hour": 10, "minute": 53}
